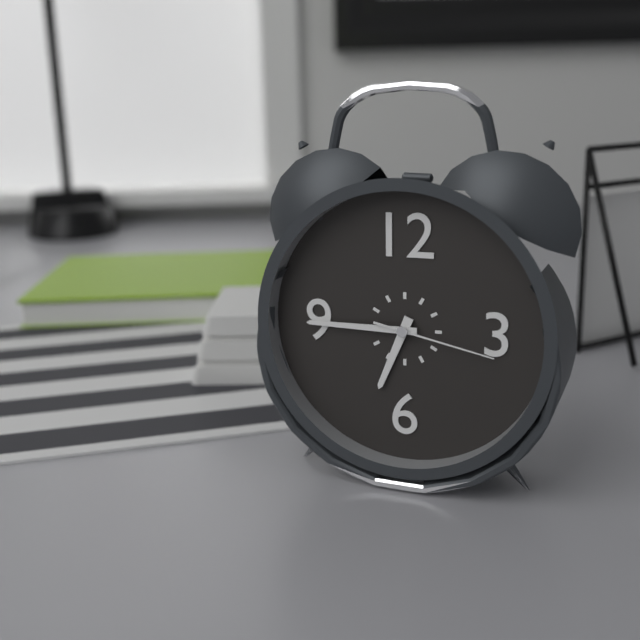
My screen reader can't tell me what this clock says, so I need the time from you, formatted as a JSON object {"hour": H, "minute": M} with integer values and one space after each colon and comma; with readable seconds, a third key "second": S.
{"hour": 6, "minute": 45, "second": 17}
